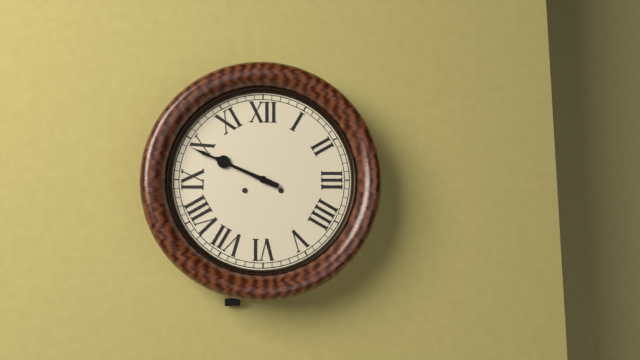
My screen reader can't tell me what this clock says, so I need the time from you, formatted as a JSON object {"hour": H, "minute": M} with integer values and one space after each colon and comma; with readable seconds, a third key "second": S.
{"hour": 9, "minute": 49}
